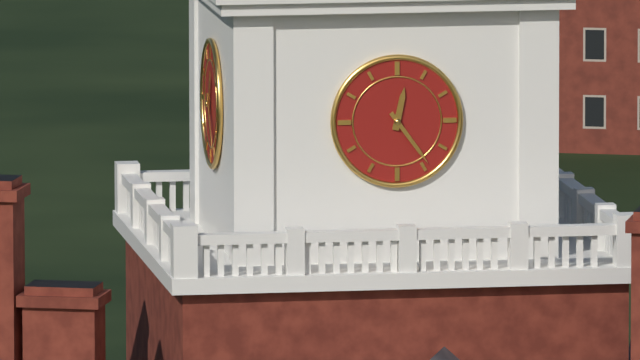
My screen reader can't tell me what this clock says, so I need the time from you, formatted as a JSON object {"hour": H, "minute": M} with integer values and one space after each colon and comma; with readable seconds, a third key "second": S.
{"hour": 12, "minute": 24}
